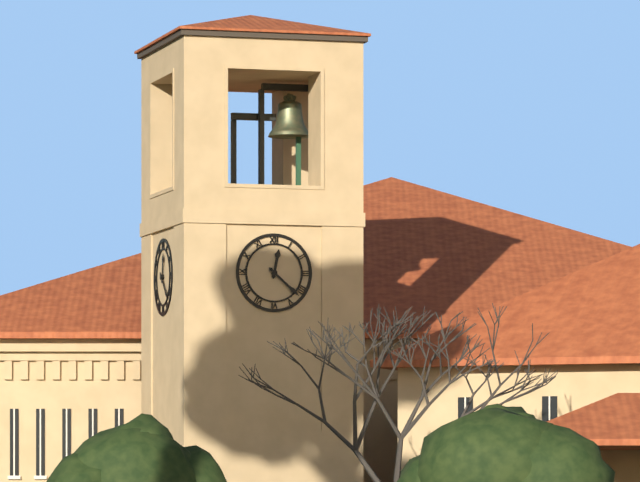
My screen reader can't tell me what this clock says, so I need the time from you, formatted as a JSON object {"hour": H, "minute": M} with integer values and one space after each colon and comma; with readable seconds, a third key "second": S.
{"hour": 12, "minute": 22}
